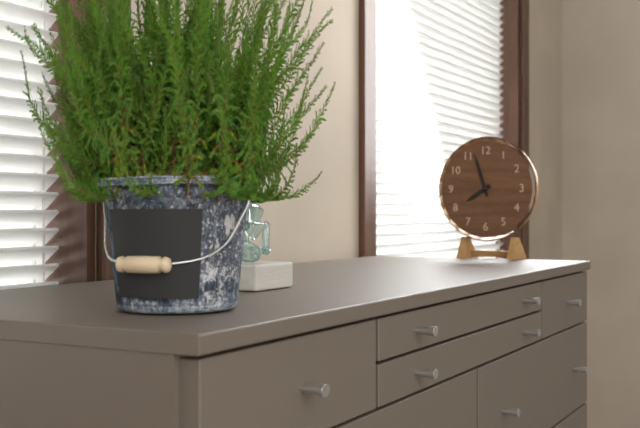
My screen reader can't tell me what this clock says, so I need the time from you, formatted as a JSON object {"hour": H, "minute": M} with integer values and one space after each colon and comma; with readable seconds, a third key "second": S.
{"hour": 7, "minute": 57}
